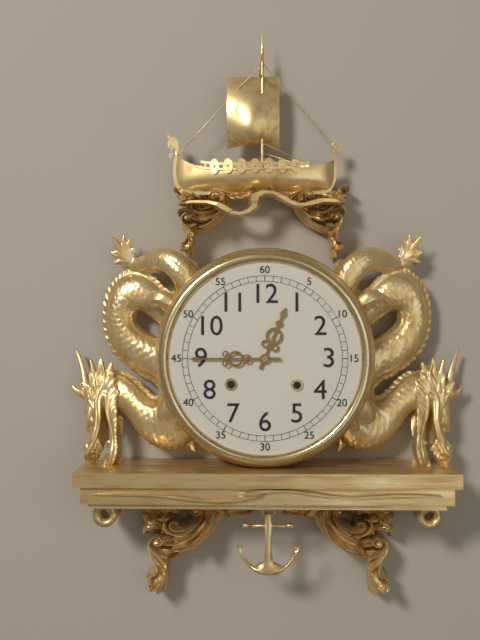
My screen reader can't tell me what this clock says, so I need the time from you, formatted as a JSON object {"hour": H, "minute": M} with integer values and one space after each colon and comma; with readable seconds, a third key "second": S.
{"hour": 12, "minute": 45}
